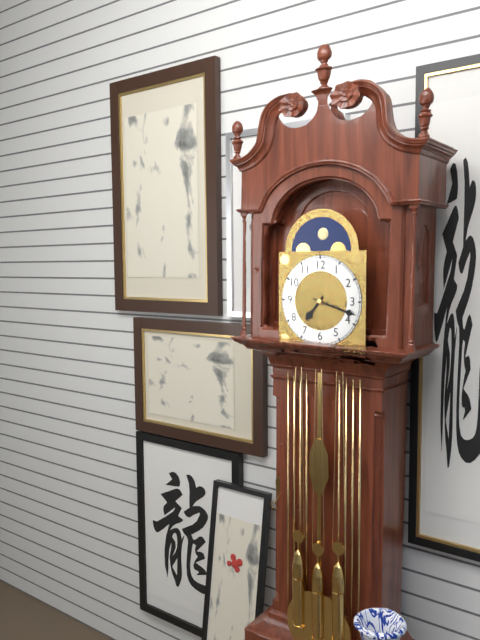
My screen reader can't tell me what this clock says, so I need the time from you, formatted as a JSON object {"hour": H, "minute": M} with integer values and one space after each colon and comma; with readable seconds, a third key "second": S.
{"hour": 7, "minute": 18}
